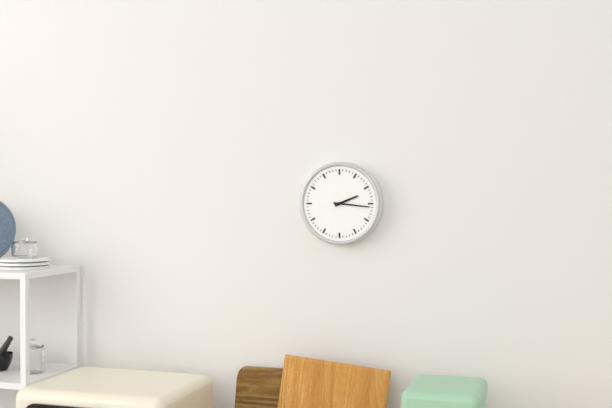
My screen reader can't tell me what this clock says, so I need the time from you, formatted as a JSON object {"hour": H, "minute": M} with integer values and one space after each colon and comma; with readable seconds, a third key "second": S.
{"hour": 2, "minute": 16}
